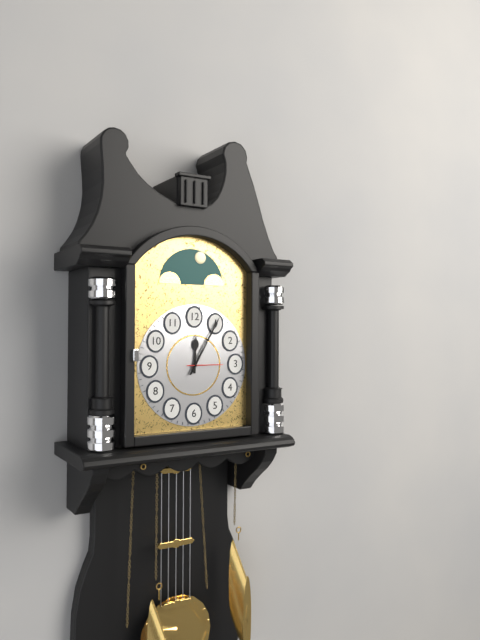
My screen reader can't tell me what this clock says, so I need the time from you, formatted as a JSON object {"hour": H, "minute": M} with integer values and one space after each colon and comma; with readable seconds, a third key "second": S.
{"hour": 12, "minute": 5}
